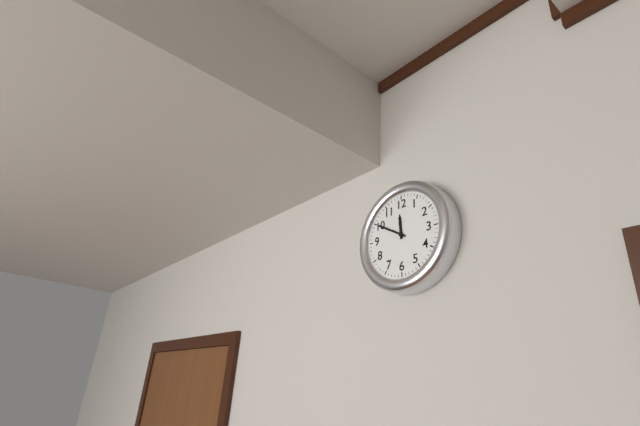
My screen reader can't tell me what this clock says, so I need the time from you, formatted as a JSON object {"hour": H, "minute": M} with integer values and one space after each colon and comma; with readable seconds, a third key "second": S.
{"hour": 11, "minute": 50}
